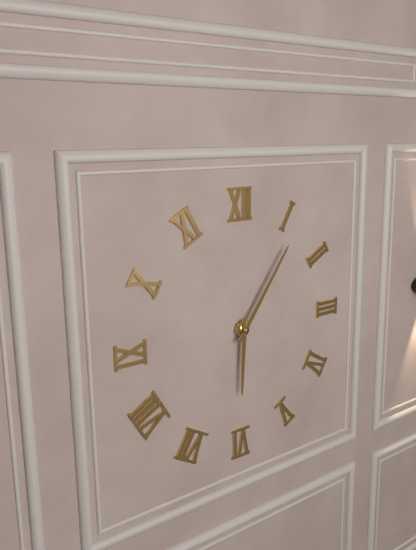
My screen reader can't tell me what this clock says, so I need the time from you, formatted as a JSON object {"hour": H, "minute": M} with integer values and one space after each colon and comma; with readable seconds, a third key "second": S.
{"hour": 6, "minute": 6}
